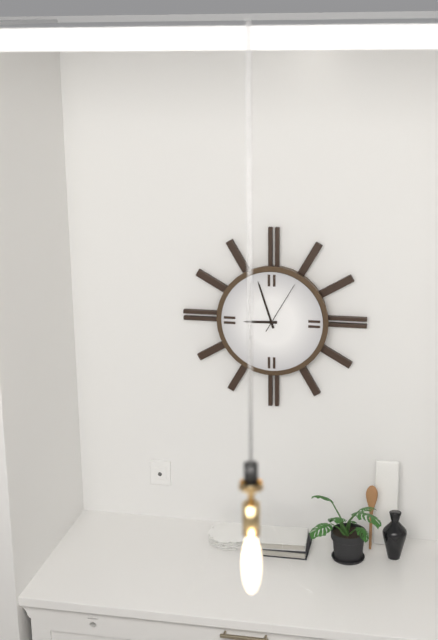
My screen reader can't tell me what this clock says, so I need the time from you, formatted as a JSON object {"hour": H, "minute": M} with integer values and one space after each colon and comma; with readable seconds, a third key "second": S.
{"hour": 8, "minute": 57, "second": 5}
